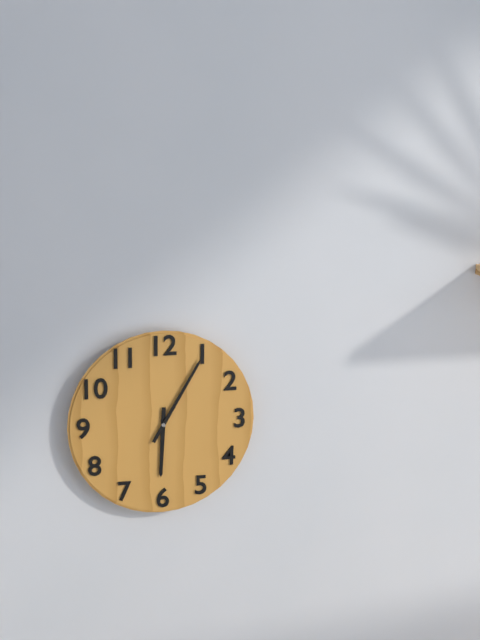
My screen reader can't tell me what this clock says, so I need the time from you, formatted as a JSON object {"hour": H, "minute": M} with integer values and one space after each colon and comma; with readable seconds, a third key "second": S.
{"hour": 6, "minute": 5}
